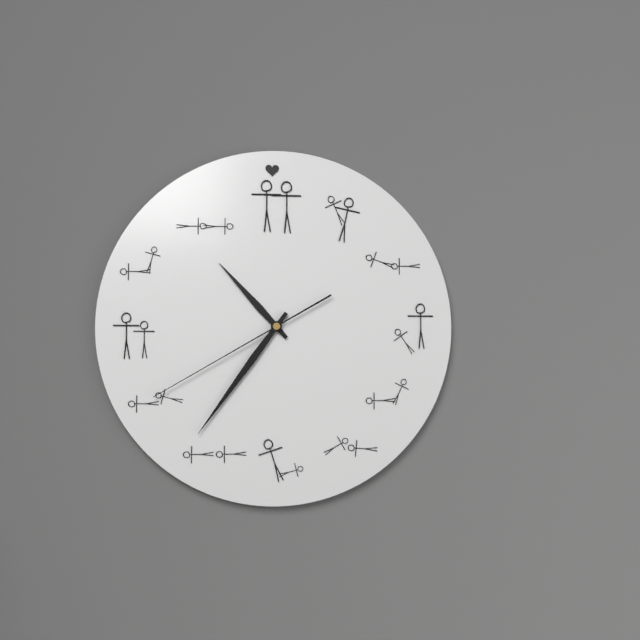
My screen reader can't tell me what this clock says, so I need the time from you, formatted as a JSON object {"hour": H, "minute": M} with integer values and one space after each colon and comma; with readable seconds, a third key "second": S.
{"hour": 10, "minute": 36, "second": 40}
